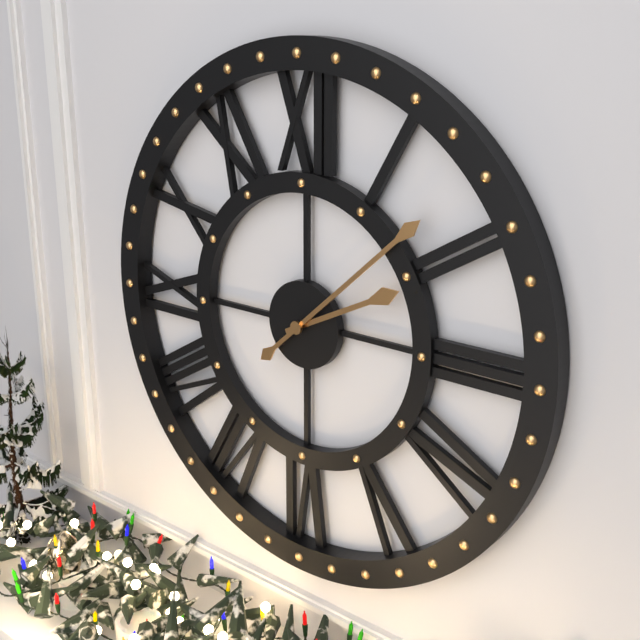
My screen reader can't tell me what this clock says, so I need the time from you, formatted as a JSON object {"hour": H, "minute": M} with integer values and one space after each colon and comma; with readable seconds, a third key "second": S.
{"hour": 2, "minute": 8}
